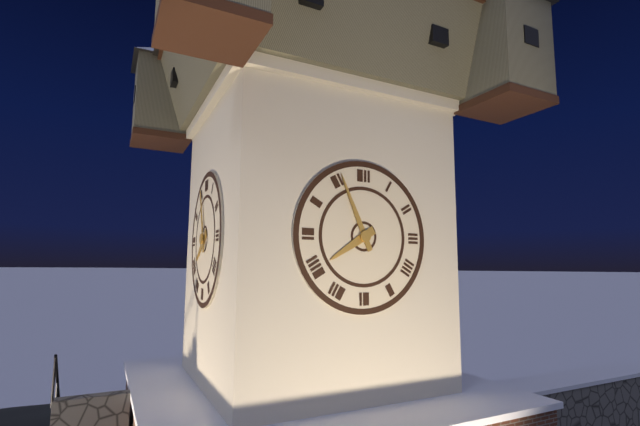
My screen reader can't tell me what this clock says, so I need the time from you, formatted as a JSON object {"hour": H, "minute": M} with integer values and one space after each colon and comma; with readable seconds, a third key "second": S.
{"hour": 7, "minute": 56}
